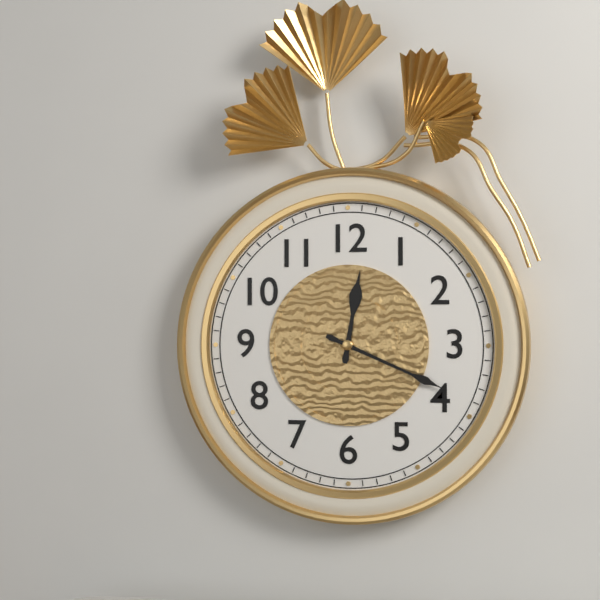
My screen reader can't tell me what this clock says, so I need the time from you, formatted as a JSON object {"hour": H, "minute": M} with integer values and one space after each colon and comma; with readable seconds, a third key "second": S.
{"hour": 12, "minute": 19}
